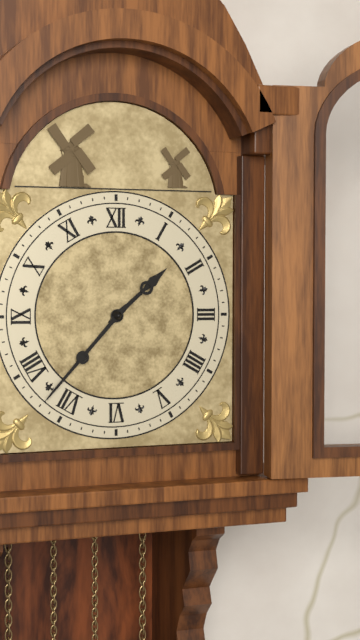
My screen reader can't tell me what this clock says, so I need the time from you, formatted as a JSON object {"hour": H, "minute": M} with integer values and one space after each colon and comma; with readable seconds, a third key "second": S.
{"hour": 1, "minute": 37}
